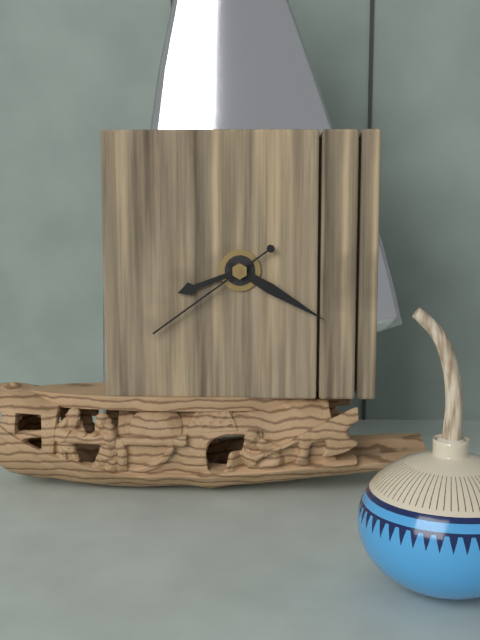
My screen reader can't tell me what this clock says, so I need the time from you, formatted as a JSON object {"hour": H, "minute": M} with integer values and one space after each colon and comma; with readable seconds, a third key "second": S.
{"hour": 8, "minute": 20, "second": 39}
